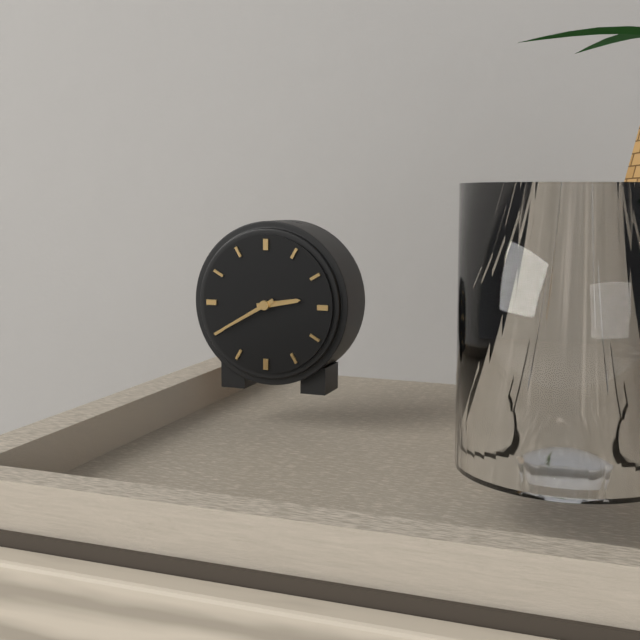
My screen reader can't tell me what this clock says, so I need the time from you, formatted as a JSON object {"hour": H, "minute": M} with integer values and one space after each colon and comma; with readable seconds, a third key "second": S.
{"hour": 2, "minute": 40}
